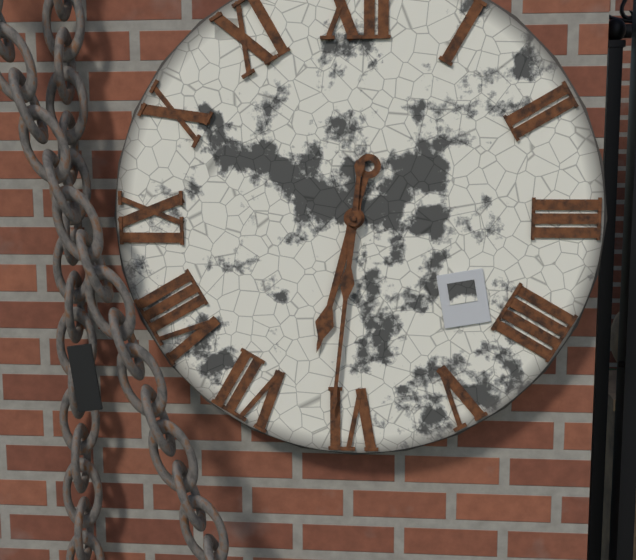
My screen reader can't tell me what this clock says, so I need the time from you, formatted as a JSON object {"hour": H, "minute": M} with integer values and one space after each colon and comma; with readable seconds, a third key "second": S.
{"hour": 6, "minute": 31}
